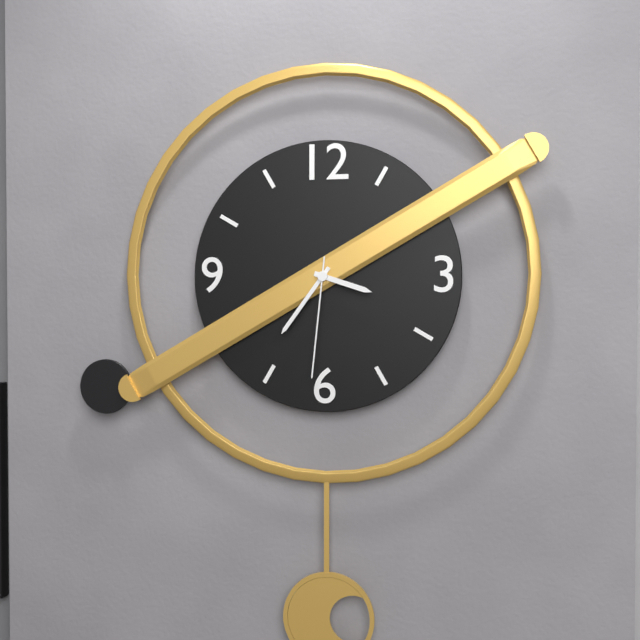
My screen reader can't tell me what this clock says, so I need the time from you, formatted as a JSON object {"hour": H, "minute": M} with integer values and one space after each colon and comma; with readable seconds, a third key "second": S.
{"hour": 3, "minute": 36, "second": 31}
